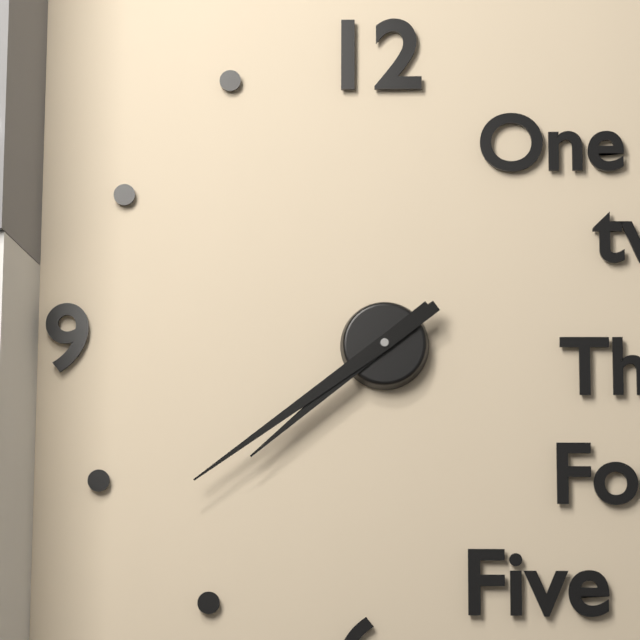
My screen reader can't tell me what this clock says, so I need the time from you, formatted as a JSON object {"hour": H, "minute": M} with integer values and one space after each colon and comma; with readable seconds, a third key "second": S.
{"hour": 7, "minute": 39}
